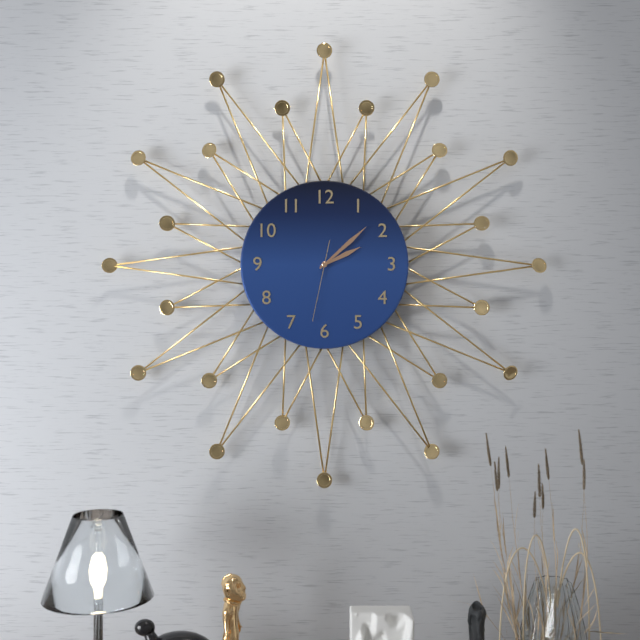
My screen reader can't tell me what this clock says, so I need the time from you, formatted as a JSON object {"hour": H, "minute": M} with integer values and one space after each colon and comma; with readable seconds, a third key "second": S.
{"hour": 2, "minute": 8, "second": 32}
